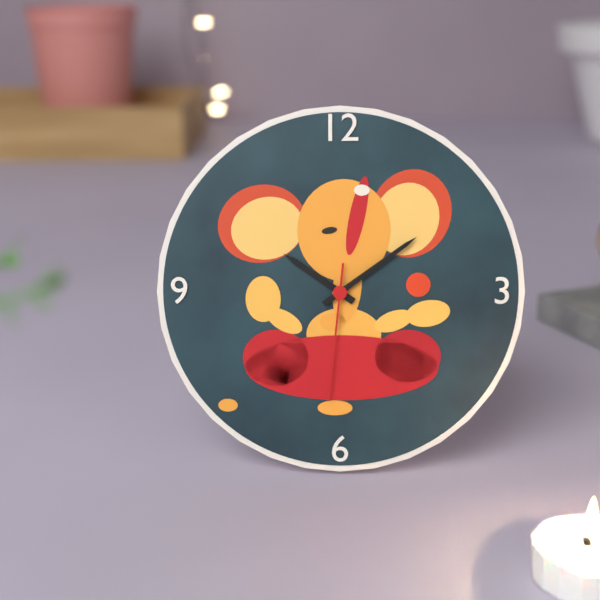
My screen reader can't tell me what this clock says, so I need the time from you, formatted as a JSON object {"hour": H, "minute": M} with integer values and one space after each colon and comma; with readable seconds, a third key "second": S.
{"hour": 10, "minute": 9, "second": 31}
